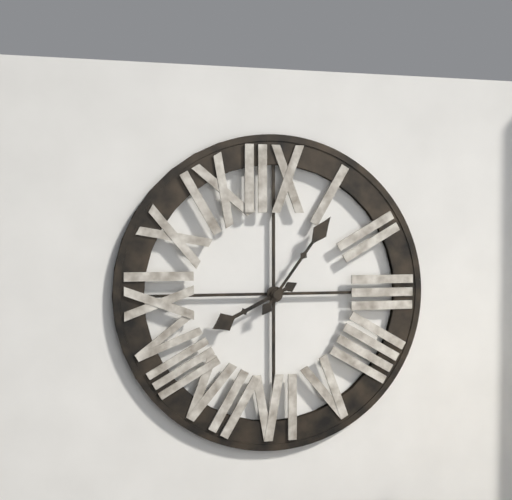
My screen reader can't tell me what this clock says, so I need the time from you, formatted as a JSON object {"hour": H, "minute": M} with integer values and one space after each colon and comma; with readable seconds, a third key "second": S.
{"hour": 8, "minute": 6}
